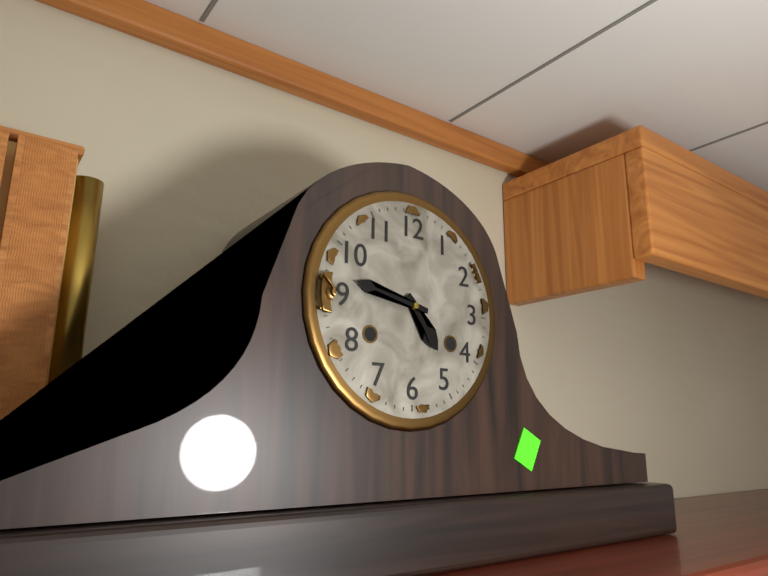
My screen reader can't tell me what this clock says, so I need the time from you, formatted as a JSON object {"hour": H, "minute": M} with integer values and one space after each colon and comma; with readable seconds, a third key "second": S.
{"hour": 4, "minute": 47}
